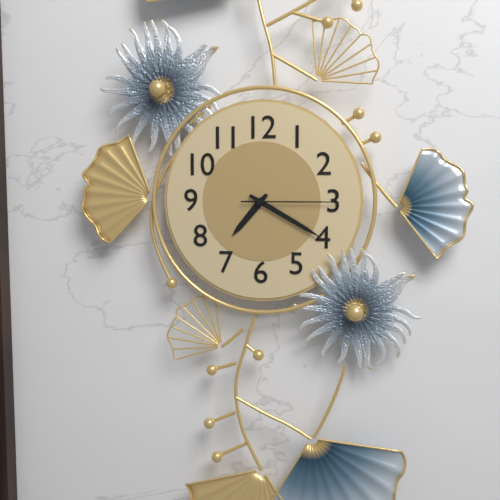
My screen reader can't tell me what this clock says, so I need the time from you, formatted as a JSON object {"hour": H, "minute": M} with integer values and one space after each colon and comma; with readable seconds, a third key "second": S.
{"hour": 7, "minute": 20, "second": 15}
